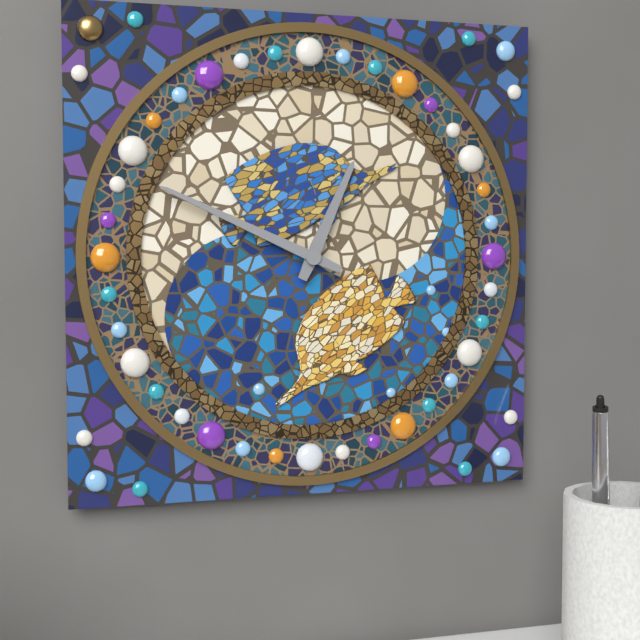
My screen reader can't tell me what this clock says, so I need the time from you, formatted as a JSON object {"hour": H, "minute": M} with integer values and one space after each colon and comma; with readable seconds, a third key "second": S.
{"hour": 12, "minute": 49}
